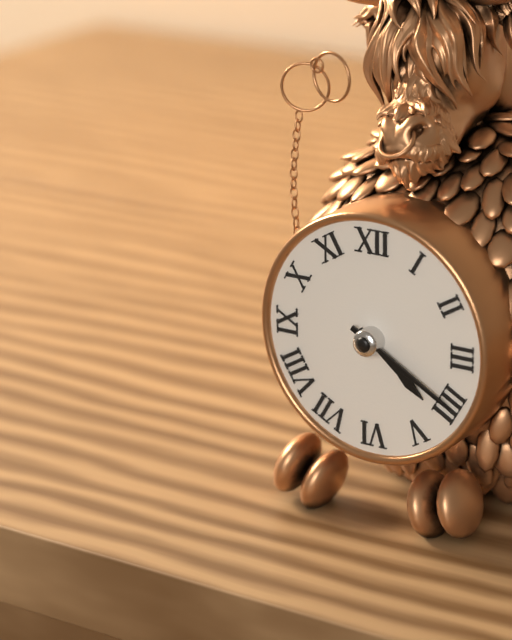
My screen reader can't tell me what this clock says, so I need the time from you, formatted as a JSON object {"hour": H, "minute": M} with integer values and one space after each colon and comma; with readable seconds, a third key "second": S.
{"hour": 4, "minute": 20}
